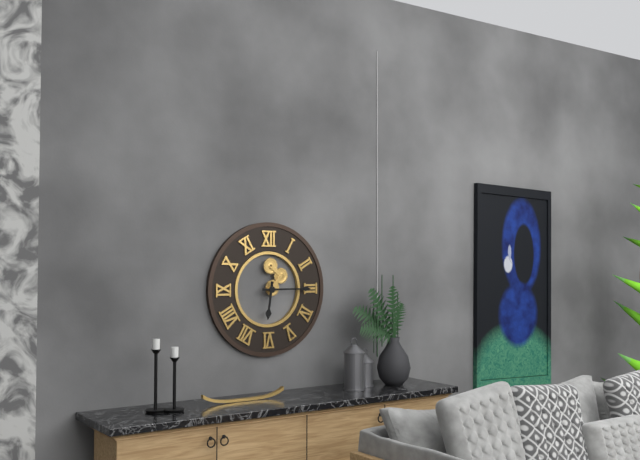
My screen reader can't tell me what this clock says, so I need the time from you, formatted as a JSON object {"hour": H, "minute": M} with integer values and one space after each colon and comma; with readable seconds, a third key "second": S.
{"hour": 6, "minute": 15}
